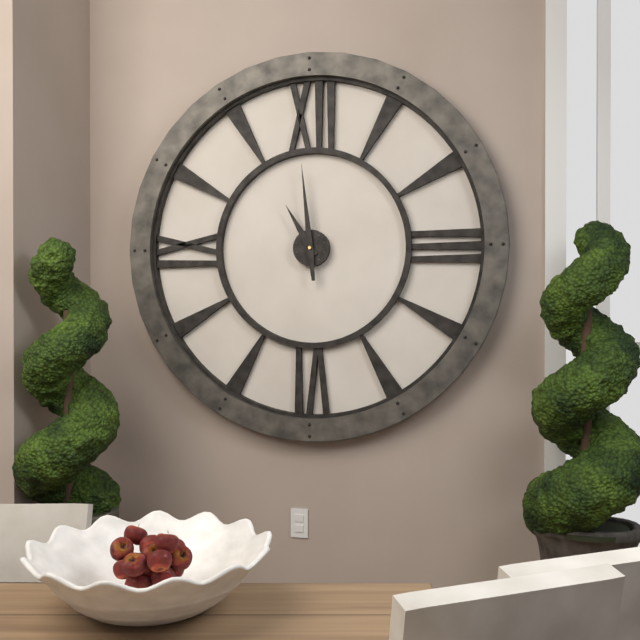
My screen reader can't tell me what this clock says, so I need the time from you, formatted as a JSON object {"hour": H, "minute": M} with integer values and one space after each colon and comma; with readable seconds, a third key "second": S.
{"hour": 10, "minute": 59}
